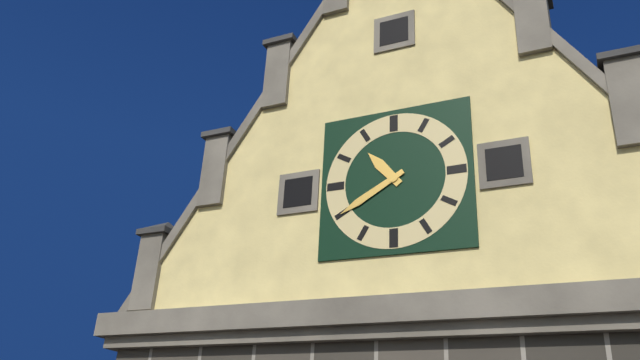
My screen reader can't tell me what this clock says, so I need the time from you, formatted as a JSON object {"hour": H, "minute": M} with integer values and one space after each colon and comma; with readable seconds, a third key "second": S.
{"hour": 10, "minute": 40}
